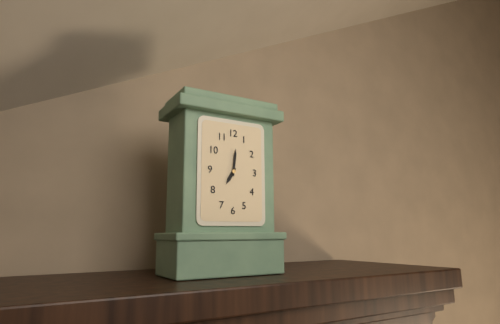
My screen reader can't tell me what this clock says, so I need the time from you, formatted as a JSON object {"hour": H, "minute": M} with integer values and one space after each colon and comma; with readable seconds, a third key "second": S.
{"hour": 7, "minute": 1}
